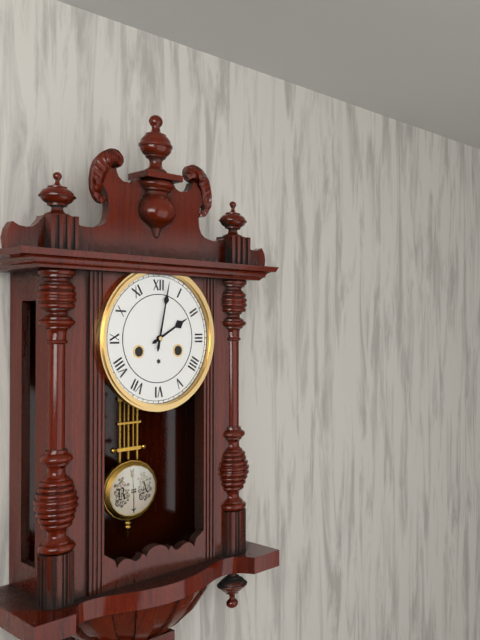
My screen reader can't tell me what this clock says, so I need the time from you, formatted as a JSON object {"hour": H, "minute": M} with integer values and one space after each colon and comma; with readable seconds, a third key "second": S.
{"hour": 2, "minute": 2}
